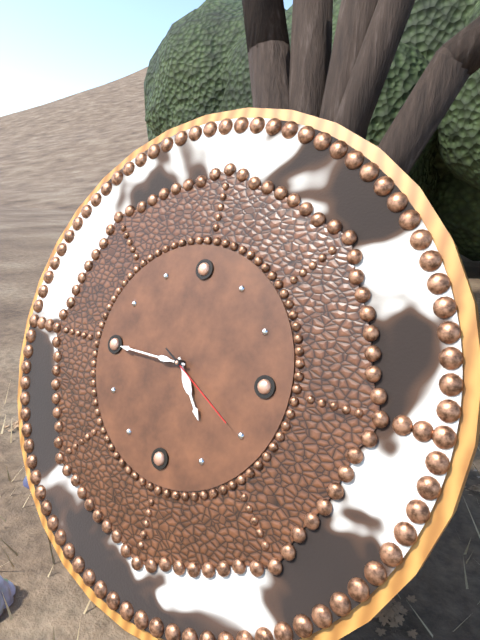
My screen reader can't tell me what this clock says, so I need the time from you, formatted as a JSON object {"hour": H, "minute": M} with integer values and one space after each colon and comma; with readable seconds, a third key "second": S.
{"hour": 4, "minute": 45, "second": 20}
